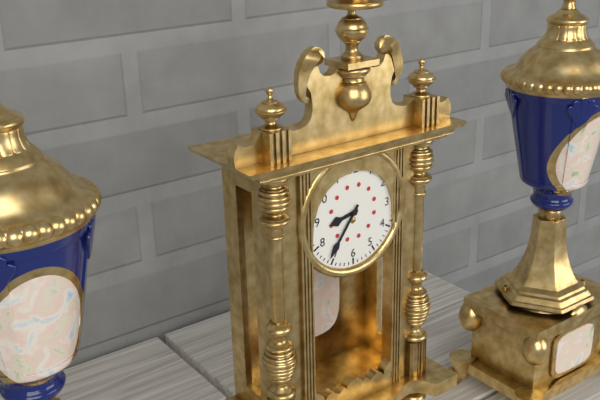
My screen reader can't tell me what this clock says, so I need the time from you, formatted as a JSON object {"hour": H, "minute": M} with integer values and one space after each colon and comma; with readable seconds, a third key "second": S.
{"hour": 8, "minute": 36}
